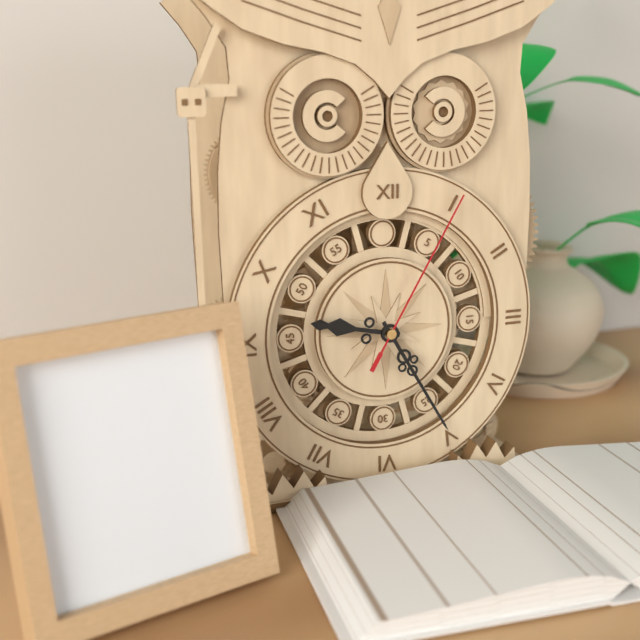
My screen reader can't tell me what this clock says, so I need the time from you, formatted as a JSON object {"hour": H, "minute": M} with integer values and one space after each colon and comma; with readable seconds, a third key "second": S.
{"hour": 9, "minute": 25, "second": 5}
